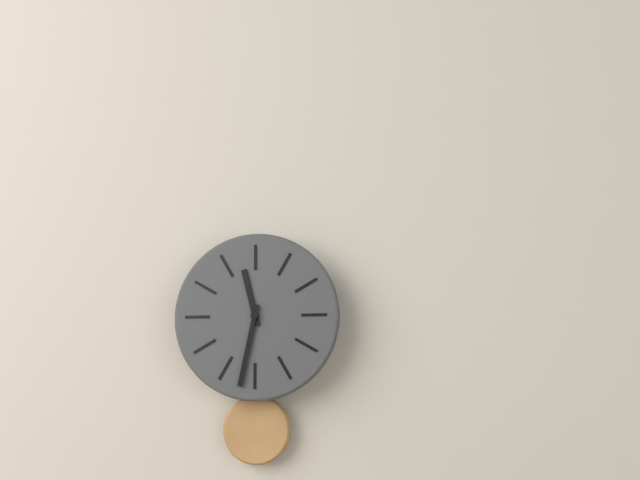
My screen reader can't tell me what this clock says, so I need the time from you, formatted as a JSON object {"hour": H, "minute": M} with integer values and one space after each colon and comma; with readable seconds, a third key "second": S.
{"hour": 11, "minute": 32}
